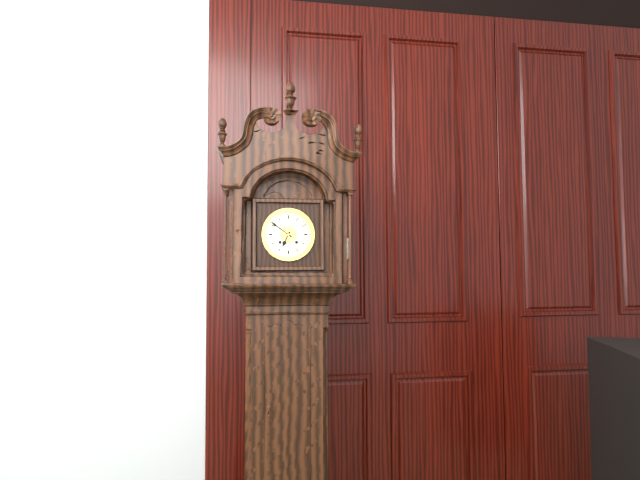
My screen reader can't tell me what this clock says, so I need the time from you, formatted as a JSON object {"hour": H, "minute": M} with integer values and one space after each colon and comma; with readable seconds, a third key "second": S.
{"hour": 6, "minute": 51}
